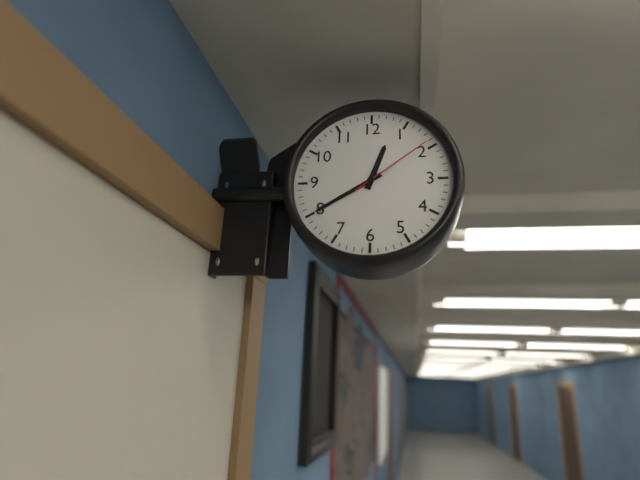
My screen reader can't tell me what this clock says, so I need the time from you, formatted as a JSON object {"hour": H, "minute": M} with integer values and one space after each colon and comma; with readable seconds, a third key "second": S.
{"hour": 12, "minute": 40, "second": 9}
